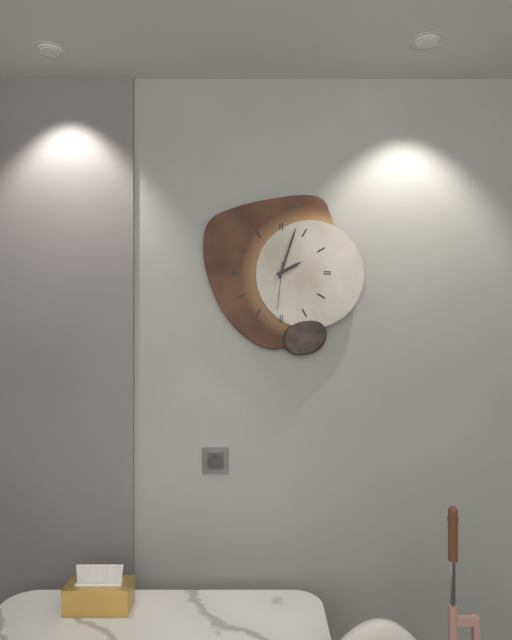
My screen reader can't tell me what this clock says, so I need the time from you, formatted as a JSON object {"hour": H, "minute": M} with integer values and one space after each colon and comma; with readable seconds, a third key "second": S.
{"hour": 2, "minute": 3}
